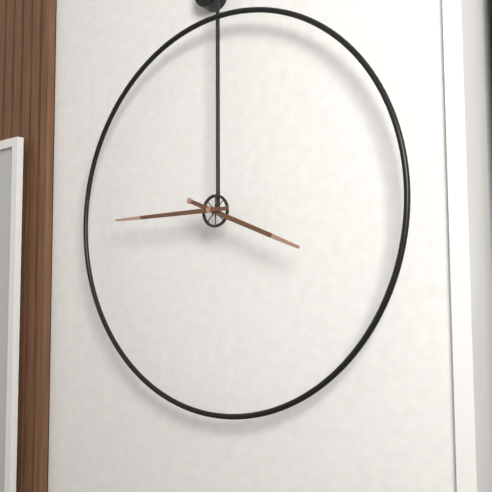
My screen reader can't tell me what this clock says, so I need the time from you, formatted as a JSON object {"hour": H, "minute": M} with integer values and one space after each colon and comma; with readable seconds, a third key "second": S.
{"hour": 3, "minute": 45}
